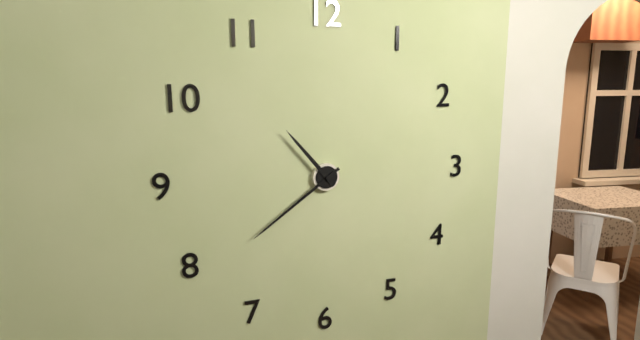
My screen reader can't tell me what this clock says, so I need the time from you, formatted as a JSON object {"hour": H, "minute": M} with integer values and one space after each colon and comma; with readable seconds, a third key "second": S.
{"hour": 10, "minute": 39}
